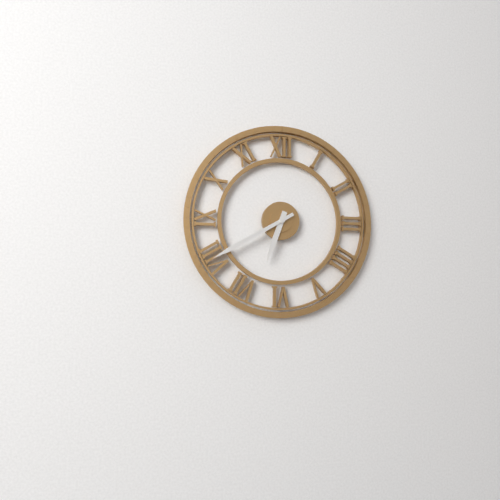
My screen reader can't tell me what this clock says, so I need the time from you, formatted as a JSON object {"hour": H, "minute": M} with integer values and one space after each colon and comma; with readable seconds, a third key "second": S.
{"hour": 6, "minute": 40}
